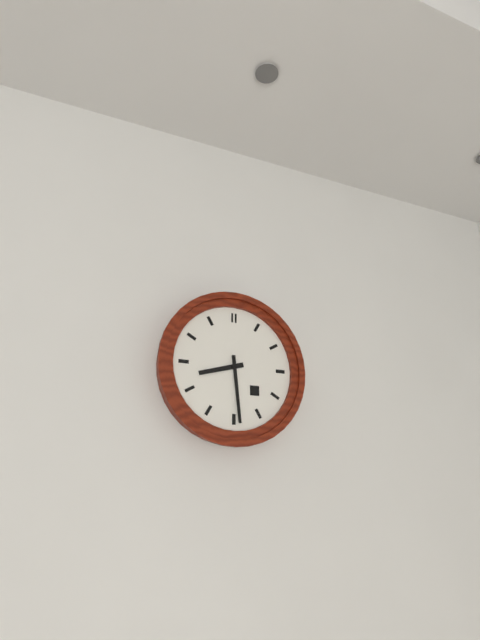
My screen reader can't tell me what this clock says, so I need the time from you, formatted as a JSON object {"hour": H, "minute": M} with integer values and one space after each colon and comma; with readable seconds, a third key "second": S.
{"hour": 8, "minute": 29}
